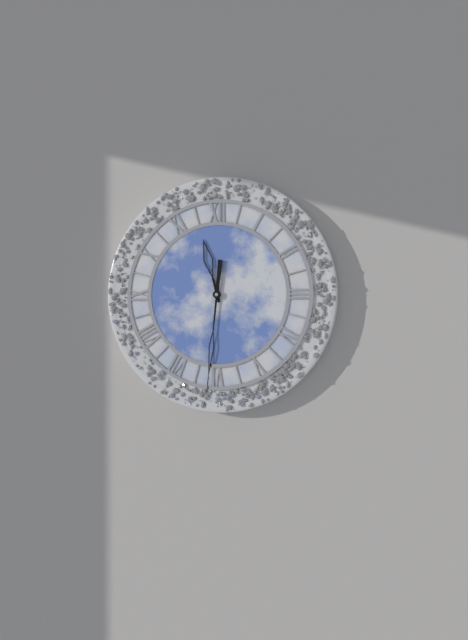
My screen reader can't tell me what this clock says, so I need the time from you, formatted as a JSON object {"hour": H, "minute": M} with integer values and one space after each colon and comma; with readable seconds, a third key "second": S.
{"hour": 11, "minute": 31}
